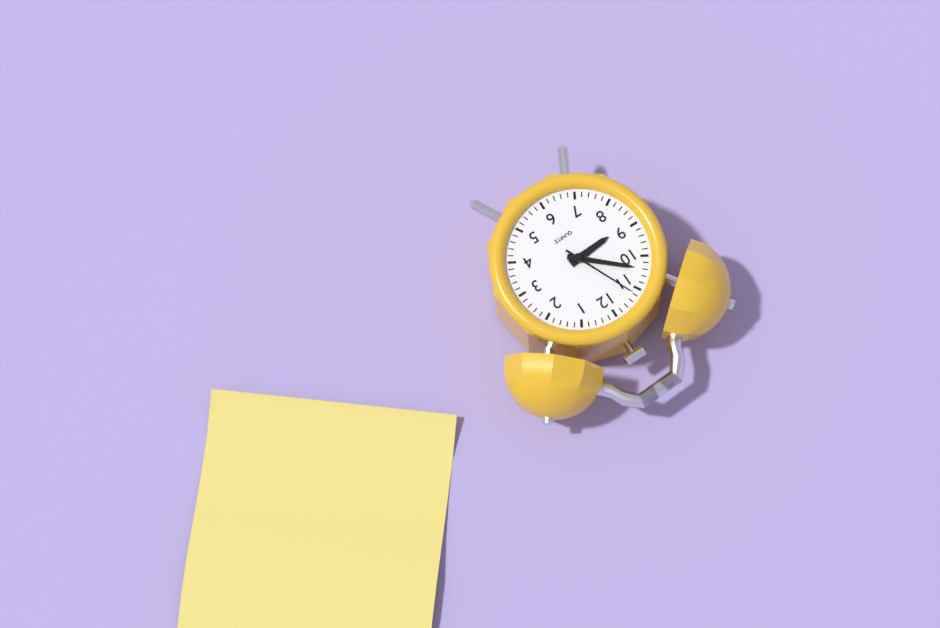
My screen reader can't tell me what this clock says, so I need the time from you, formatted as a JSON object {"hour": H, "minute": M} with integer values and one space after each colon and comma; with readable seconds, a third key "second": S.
{"hour": 8, "minute": 52, "second": 56}
